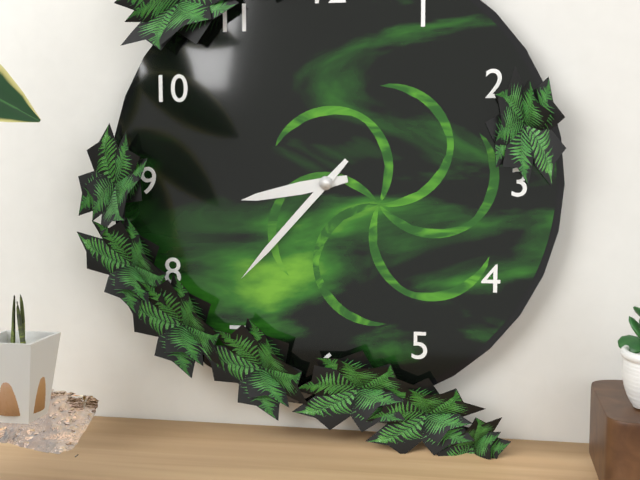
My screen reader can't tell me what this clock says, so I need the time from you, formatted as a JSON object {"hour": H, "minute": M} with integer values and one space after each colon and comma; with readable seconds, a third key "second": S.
{"hour": 8, "minute": 37}
